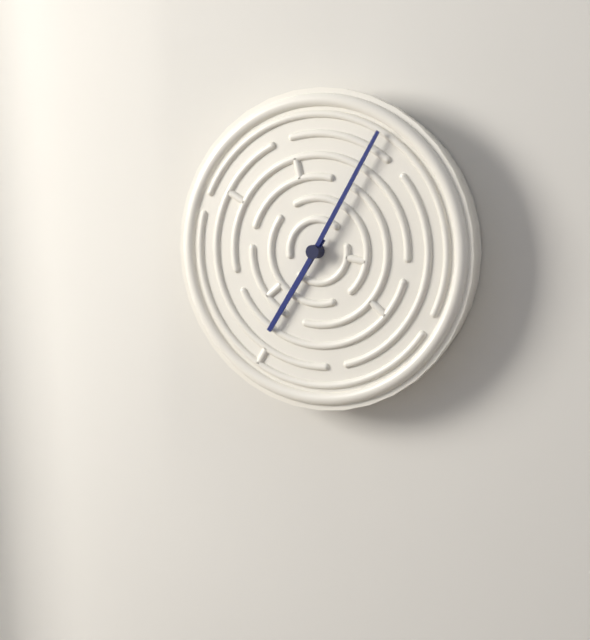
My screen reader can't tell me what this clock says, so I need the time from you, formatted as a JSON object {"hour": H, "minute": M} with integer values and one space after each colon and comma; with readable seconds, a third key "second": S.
{"hour": 7, "minute": 5}
